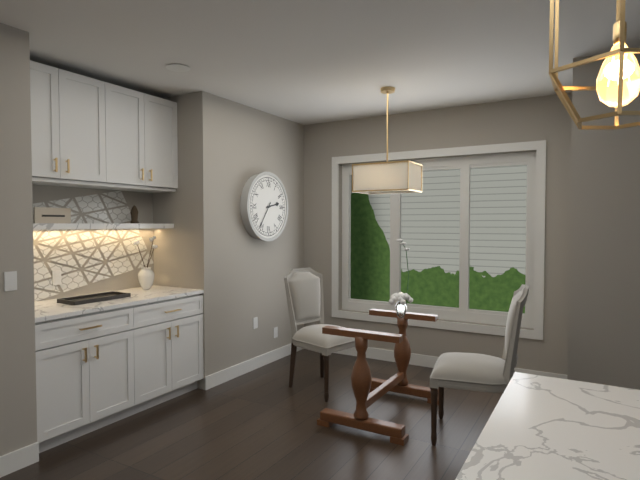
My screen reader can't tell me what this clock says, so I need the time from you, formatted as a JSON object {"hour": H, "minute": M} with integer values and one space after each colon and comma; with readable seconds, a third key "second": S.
{"hour": 2, "minute": 36}
